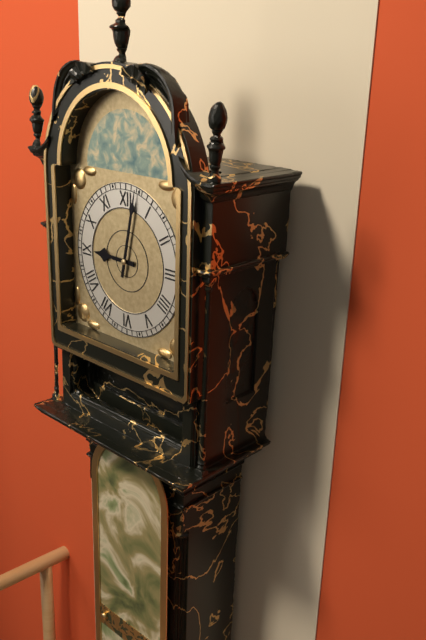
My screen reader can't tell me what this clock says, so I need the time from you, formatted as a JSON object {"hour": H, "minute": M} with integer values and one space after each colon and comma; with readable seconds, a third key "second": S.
{"hour": 9, "minute": 2}
